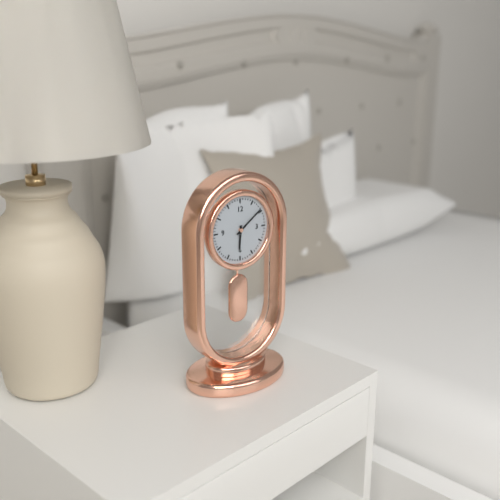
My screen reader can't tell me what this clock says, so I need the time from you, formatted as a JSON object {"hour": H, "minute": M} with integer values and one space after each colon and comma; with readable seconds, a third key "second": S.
{"hour": 6, "minute": 9}
